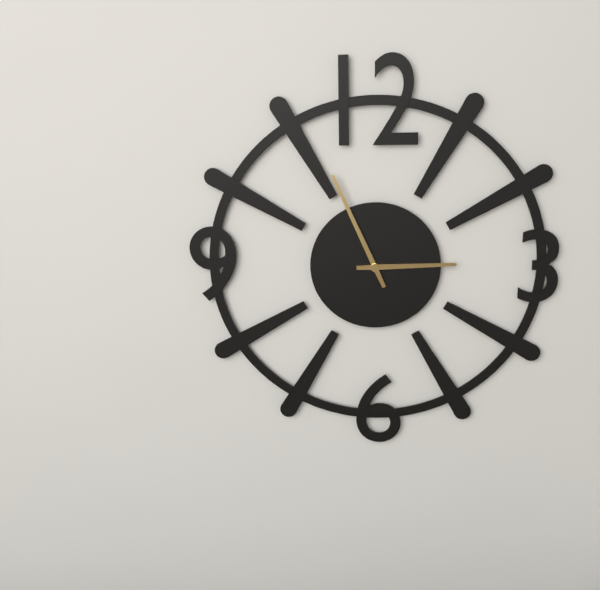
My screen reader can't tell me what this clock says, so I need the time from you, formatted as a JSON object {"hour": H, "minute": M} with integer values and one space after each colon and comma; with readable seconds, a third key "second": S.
{"hour": 2, "minute": 56}
